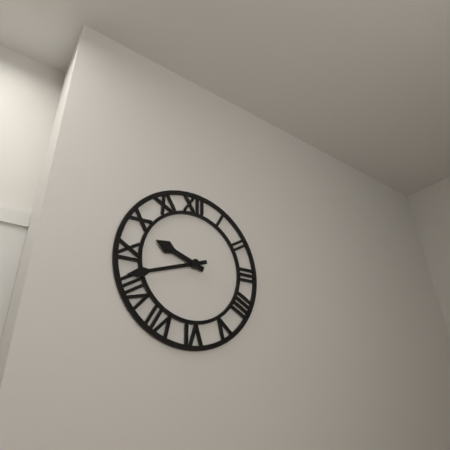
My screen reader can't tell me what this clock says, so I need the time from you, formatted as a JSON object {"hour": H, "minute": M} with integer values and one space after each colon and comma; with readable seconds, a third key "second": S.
{"hour": 9, "minute": 42}
